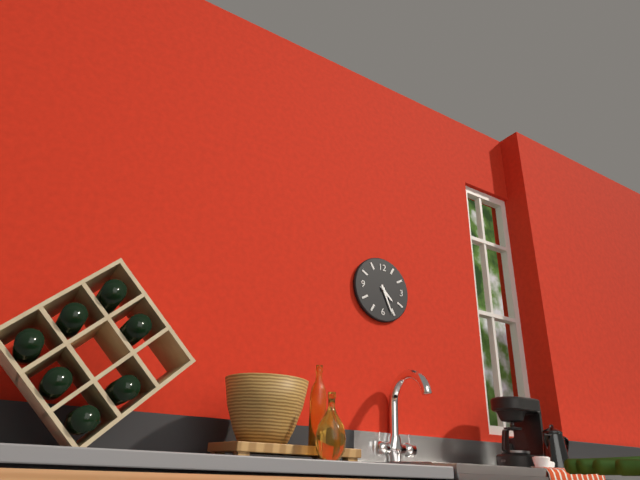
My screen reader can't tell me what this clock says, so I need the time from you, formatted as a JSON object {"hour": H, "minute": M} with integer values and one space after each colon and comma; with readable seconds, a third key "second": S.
{"hour": 4, "minute": 26}
